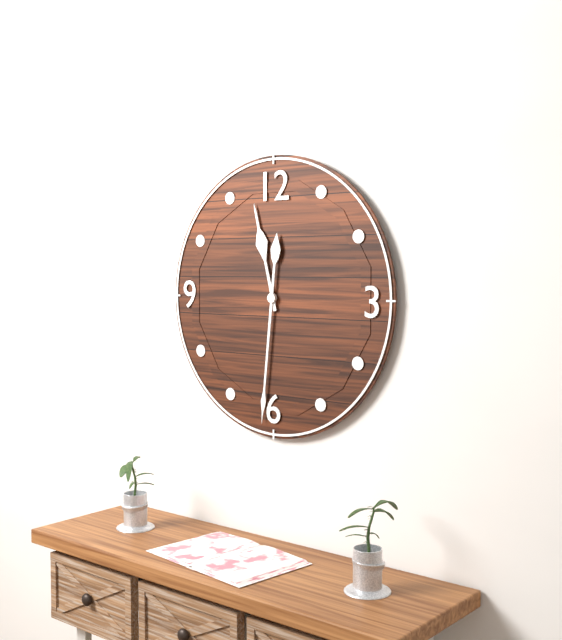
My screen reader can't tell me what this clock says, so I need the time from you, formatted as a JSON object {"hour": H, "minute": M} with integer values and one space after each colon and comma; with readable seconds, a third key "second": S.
{"hour": 11, "minute": 31}
